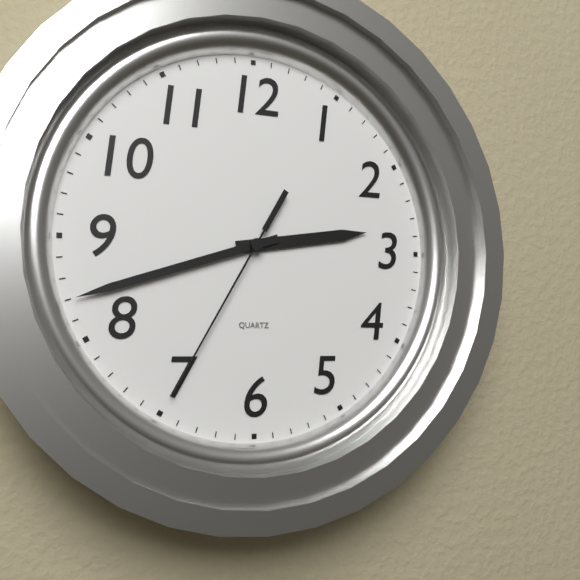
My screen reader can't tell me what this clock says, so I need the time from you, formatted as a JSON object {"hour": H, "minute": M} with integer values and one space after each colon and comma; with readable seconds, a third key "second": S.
{"hour": 2, "minute": 42, "second": 35}
